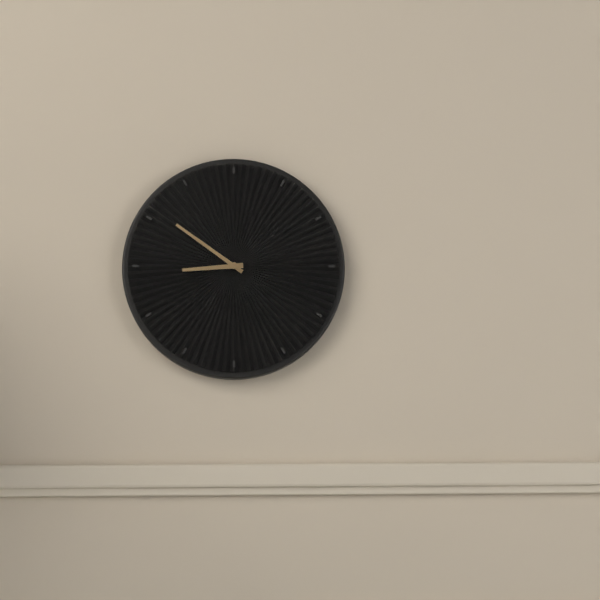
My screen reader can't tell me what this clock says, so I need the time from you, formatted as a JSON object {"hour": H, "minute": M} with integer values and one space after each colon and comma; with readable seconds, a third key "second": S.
{"hour": 8, "minute": 51}
